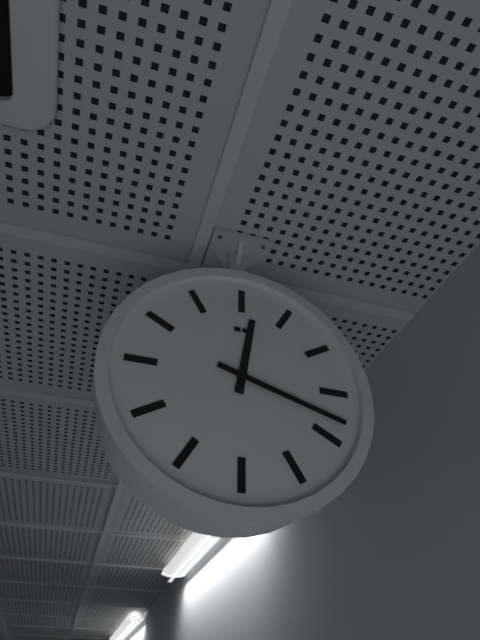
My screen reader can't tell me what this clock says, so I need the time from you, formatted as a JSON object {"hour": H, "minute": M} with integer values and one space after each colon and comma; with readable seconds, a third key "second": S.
{"hour": 12, "minute": 18}
